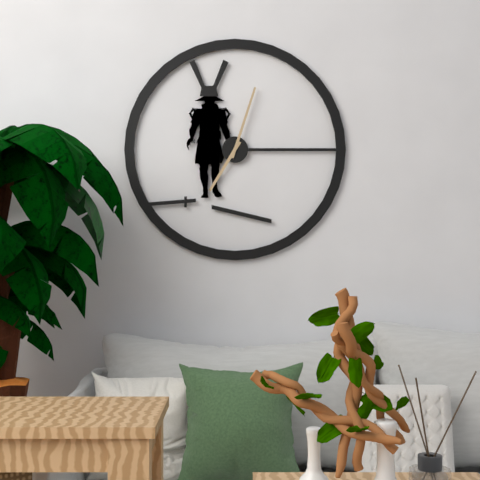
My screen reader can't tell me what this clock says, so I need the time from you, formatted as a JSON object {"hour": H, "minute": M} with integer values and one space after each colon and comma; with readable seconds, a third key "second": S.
{"hour": 7, "minute": 3}
